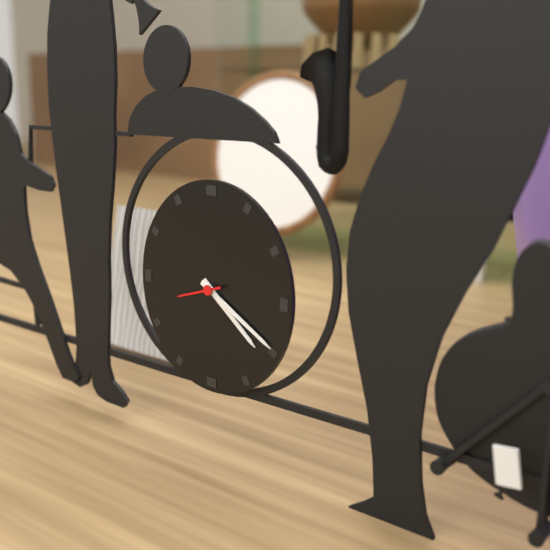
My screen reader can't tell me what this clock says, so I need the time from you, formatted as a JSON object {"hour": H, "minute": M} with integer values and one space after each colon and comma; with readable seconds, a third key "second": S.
{"hour": 4, "minute": 20, "second": 42}
